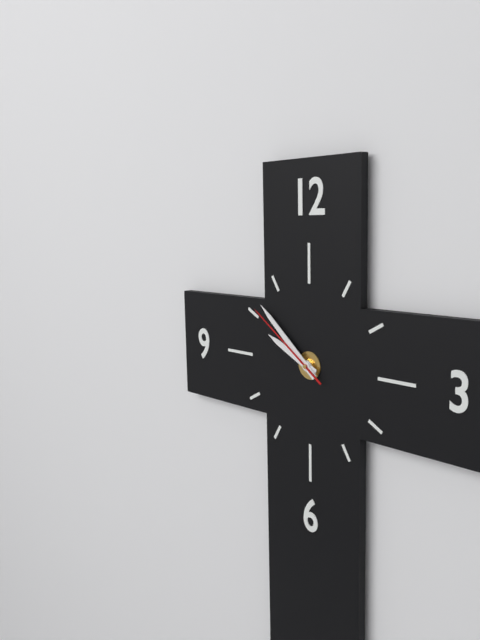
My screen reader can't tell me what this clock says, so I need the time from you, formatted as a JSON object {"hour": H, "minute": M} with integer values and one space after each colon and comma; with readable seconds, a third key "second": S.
{"hour": 9, "minute": 52, "second": 51}
